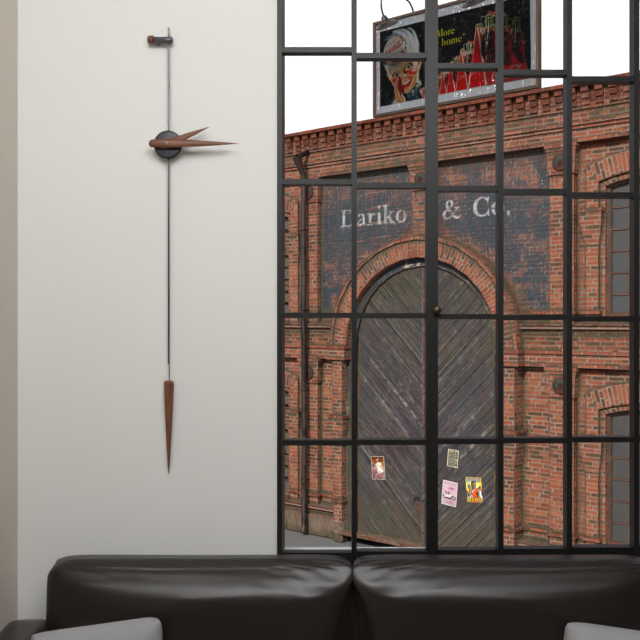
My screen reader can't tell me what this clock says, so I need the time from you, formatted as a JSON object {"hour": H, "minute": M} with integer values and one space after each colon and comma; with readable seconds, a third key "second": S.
{"hour": 2, "minute": 15}
